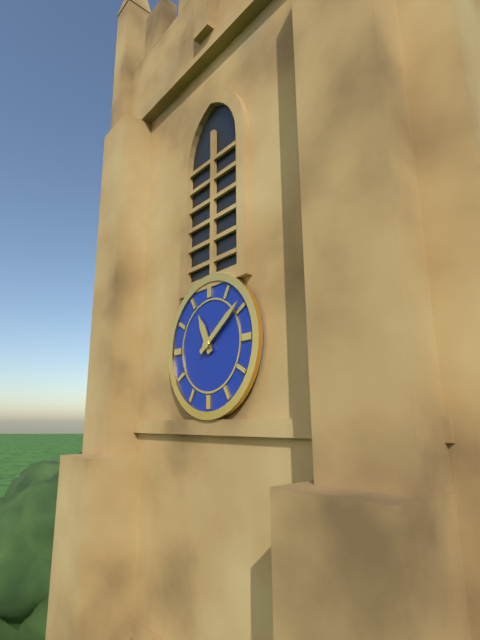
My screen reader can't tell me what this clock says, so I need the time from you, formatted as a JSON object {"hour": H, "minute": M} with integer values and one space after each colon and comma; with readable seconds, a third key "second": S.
{"hour": 11, "minute": 9}
